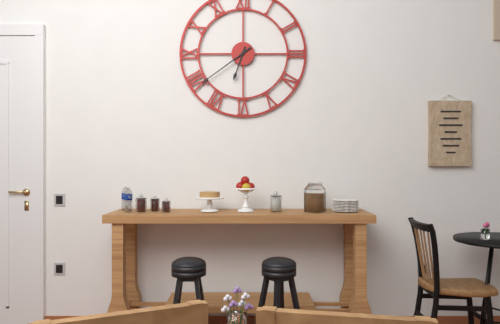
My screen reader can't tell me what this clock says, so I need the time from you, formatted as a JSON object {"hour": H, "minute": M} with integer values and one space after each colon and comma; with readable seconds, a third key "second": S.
{"hour": 6, "minute": 39}
